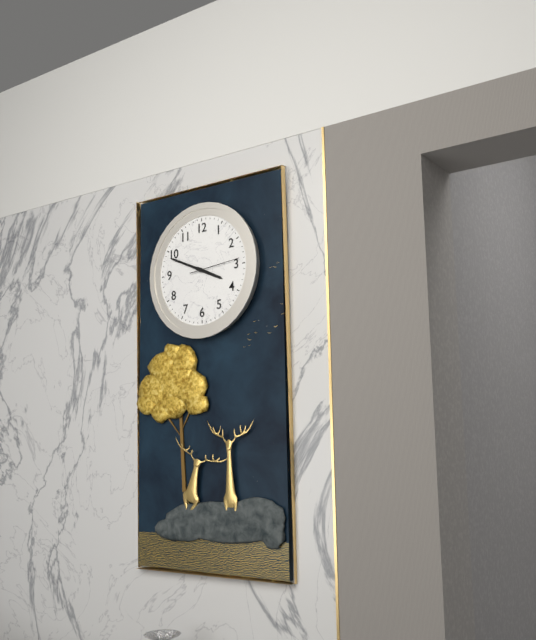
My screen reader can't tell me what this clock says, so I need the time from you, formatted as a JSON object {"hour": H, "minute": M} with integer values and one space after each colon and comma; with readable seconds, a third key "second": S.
{"hour": 3, "minute": 49, "second": 14}
